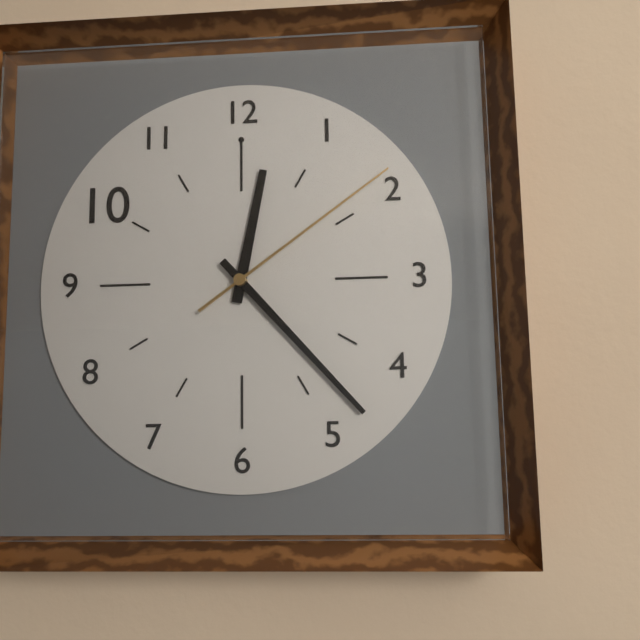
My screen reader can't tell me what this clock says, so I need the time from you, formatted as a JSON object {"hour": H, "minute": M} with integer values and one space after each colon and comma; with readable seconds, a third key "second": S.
{"hour": 12, "minute": 23, "second": 9}
